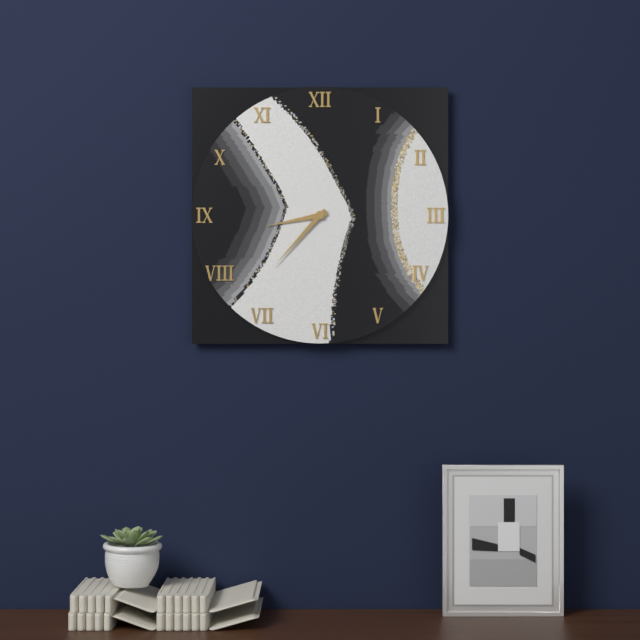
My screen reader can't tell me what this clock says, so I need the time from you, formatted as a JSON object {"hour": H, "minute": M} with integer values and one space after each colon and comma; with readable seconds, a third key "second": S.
{"hour": 8, "minute": 37}
